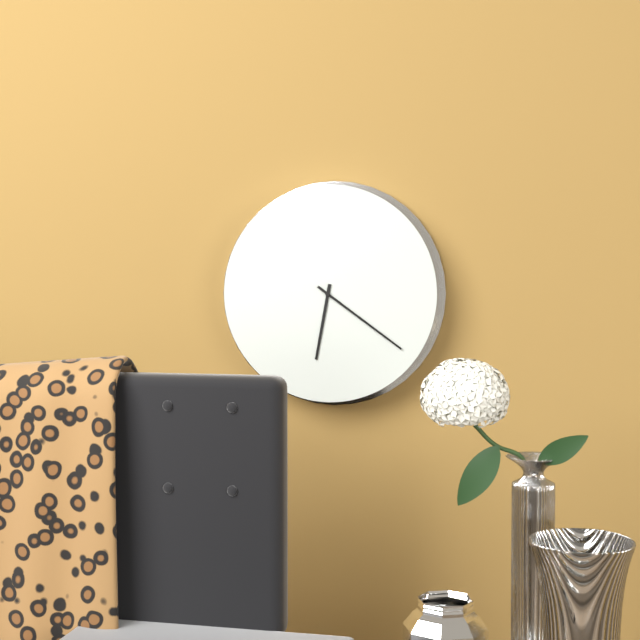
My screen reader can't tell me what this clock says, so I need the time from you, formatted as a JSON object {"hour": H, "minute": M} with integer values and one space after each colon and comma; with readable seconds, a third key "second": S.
{"hour": 6, "minute": 21}
